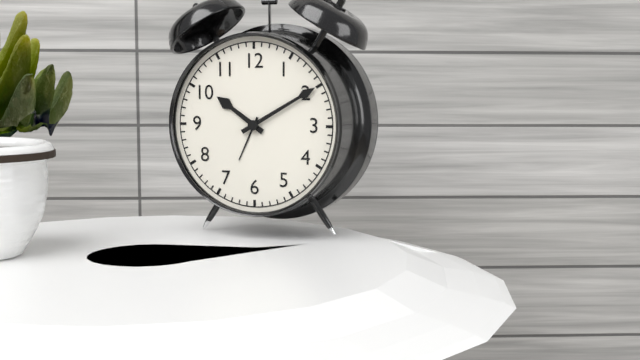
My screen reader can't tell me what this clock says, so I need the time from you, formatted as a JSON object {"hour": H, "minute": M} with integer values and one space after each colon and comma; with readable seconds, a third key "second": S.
{"hour": 10, "minute": 10}
